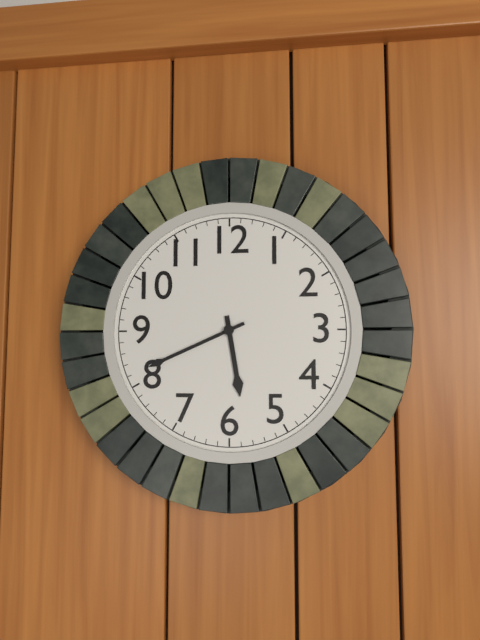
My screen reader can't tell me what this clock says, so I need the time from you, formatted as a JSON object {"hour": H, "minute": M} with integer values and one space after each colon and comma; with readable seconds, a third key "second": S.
{"hour": 5, "minute": 41}
